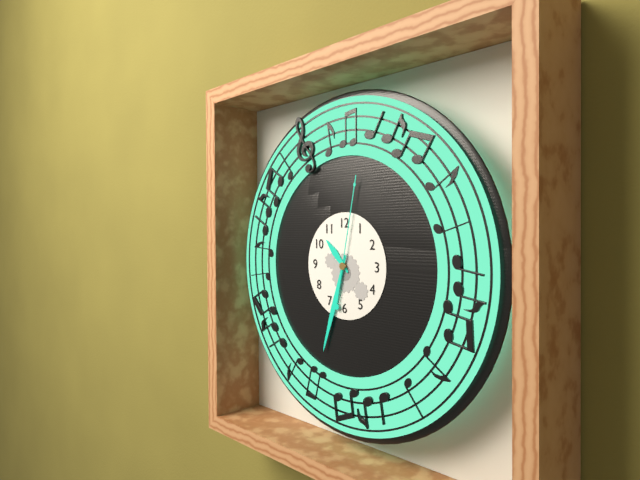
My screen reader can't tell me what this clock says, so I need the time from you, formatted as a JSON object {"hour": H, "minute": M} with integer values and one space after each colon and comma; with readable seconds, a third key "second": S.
{"hour": 10, "minute": 33, "second": 2}
